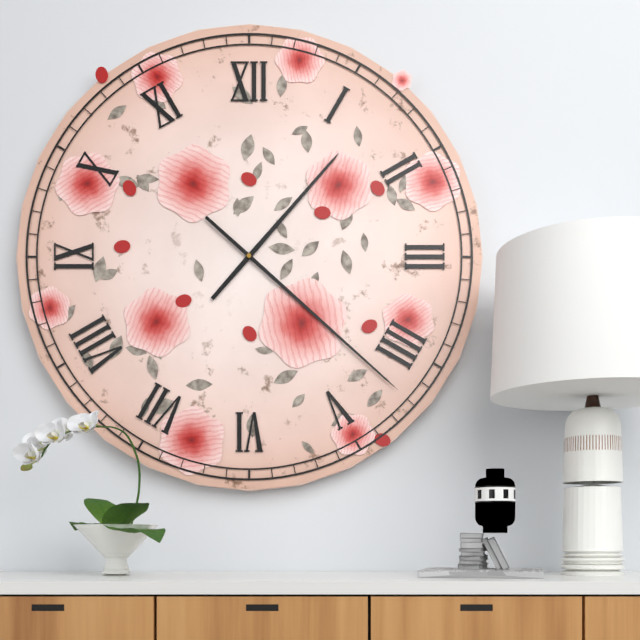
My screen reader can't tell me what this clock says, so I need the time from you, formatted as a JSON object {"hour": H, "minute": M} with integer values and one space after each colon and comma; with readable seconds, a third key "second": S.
{"hour": 1, "minute": 22}
